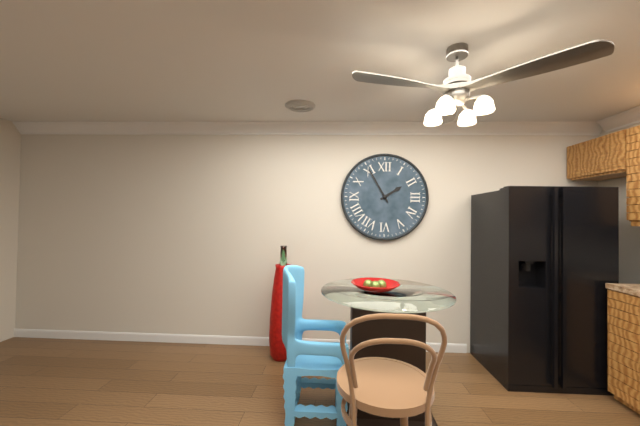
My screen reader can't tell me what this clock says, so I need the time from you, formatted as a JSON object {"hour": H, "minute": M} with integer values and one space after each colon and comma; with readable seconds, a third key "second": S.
{"hour": 1, "minute": 55}
